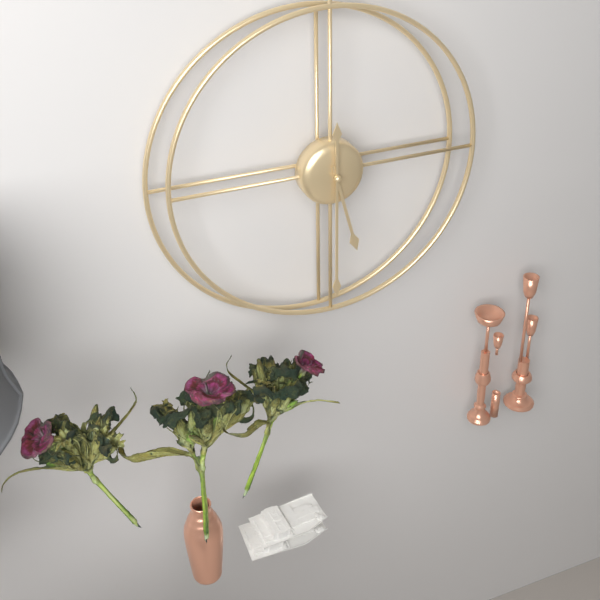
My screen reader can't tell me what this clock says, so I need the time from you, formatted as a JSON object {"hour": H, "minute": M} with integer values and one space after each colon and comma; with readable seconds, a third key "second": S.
{"hour": 5, "minute": 30}
